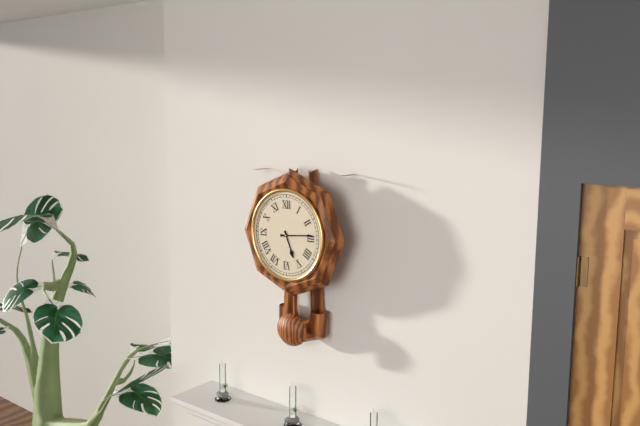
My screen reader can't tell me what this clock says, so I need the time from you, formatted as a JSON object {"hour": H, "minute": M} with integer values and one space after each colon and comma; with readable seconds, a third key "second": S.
{"hour": 5, "minute": 14}
